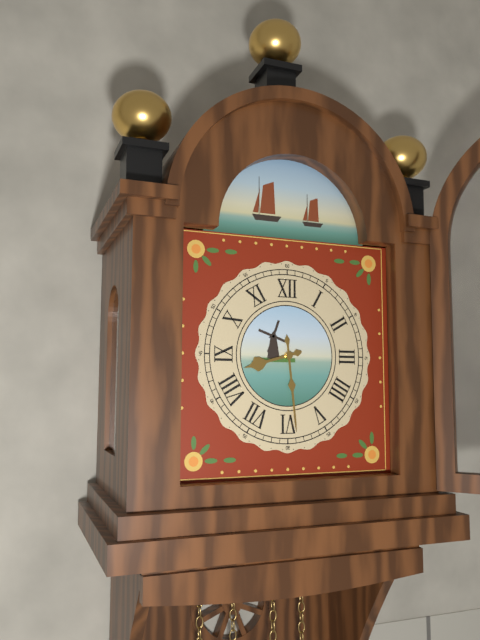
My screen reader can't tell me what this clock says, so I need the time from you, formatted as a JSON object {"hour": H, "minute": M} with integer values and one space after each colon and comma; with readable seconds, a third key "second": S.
{"hour": 8, "minute": 29}
